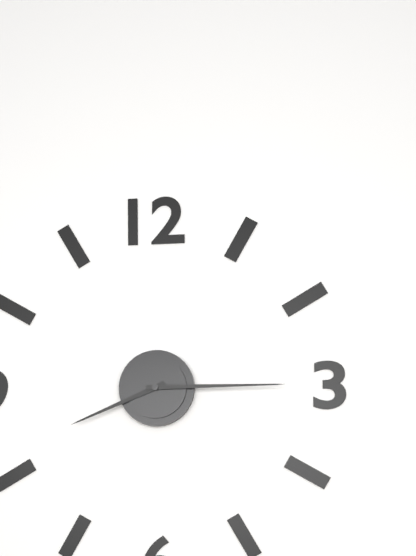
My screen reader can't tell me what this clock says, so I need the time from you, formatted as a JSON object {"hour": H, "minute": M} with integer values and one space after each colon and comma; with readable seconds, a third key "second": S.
{"hour": 8, "minute": 15}
